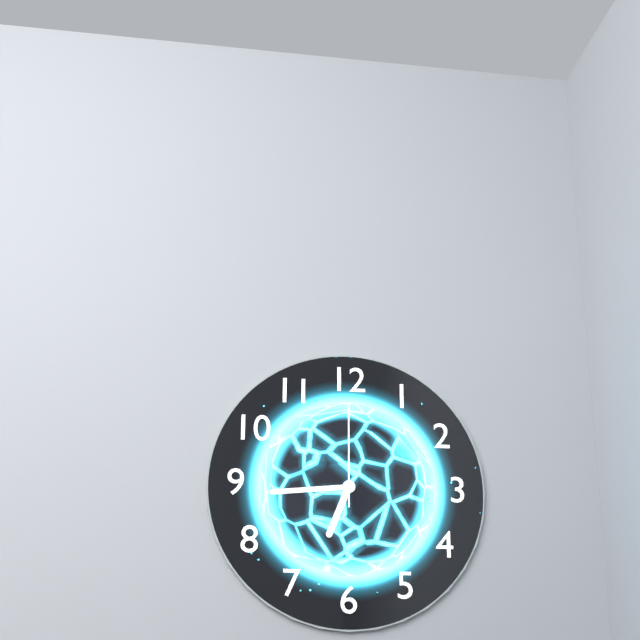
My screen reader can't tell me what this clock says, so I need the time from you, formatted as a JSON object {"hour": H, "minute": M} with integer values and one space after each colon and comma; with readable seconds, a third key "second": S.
{"hour": 6, "minute": 44, "second": 0}
